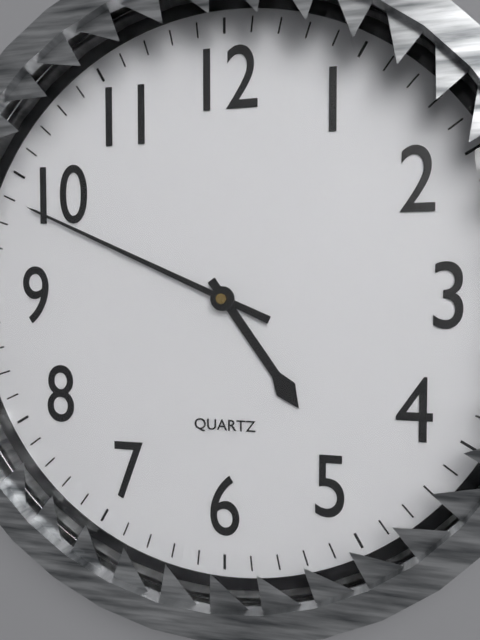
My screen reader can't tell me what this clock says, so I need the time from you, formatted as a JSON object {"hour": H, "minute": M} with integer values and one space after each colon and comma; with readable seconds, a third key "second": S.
{"hour": 4, "minute": 49}
